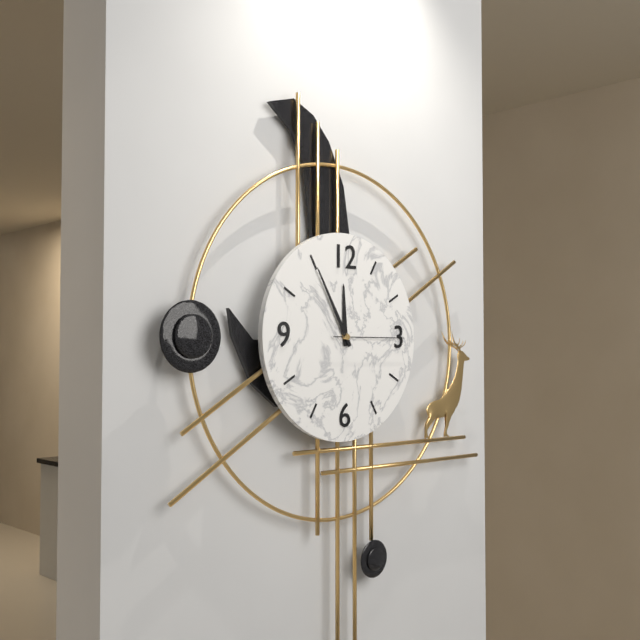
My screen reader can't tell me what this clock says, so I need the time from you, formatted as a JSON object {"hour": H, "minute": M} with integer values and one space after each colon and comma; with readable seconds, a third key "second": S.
{"hour": 11, "minute": 55, "second": 15}
